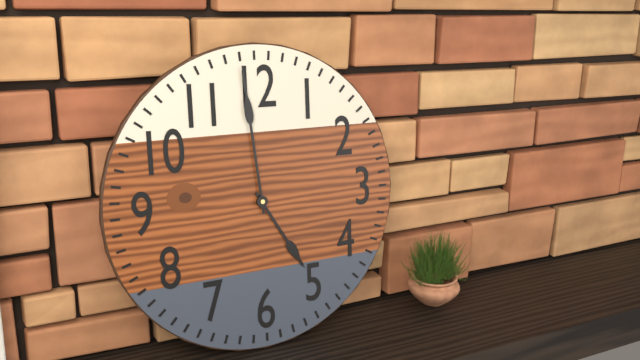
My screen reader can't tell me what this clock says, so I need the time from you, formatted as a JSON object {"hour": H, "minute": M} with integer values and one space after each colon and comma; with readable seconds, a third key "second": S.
{"hour": 4, "minute": 59}
